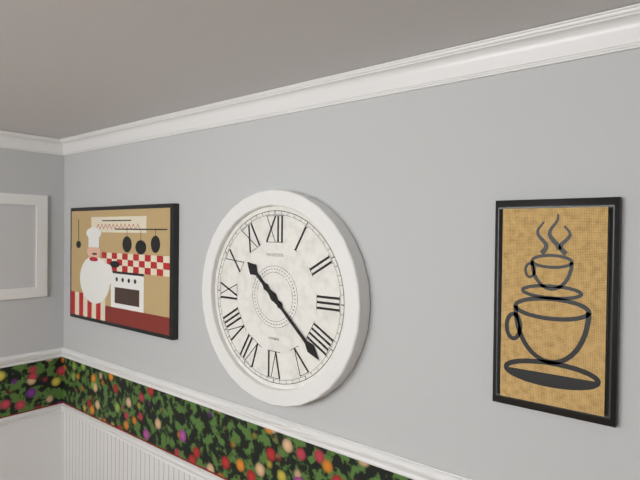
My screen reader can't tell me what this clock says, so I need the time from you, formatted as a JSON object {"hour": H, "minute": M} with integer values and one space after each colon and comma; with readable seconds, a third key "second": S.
{"hour": 10, "minute": 22}
